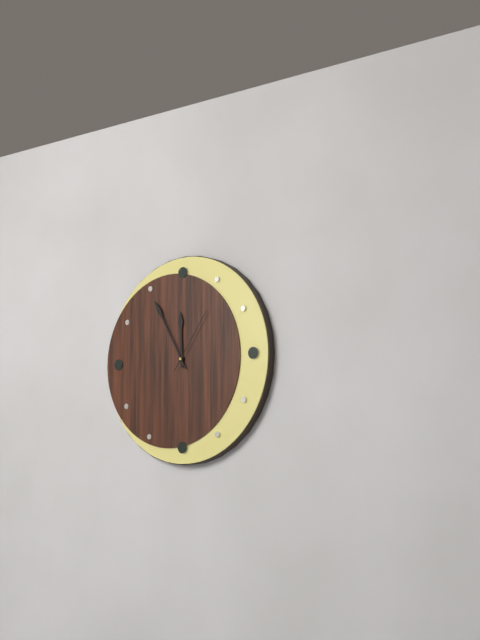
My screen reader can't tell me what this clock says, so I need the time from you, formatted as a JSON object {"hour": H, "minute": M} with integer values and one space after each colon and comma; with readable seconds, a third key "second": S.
{"hour": 11, "minute": 55, "second": 6}
